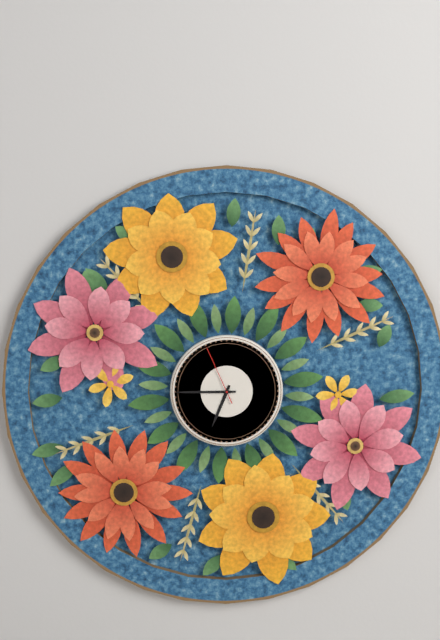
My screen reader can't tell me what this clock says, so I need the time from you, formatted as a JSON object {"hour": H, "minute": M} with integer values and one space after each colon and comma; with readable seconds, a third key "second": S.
{"hour": 6, "minute": 45, "second": 56}
